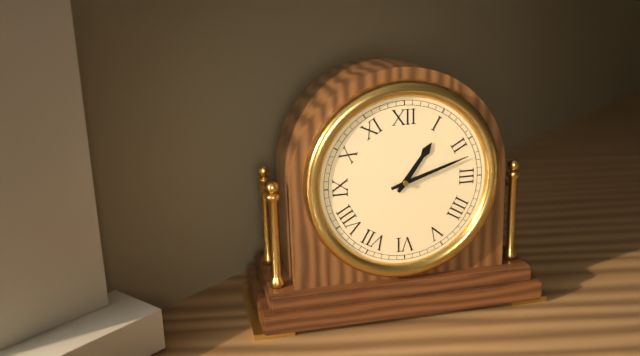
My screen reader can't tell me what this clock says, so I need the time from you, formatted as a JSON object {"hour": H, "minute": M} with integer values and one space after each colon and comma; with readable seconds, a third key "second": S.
{"hour": 1, "minute": 12}
